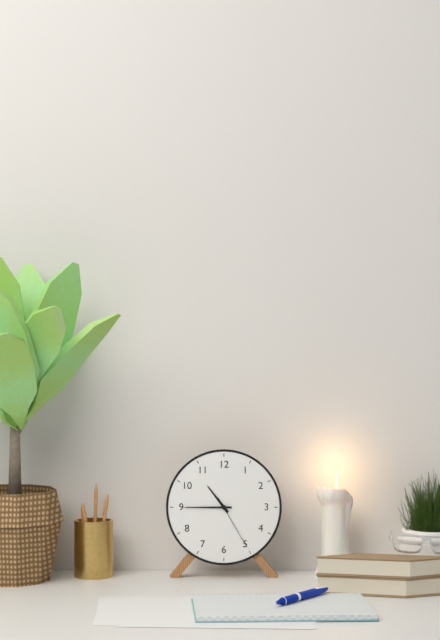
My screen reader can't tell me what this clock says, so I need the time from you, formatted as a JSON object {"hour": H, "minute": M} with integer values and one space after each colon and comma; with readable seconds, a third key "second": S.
{"hour": 10, "minute": 45, "second": 25}
